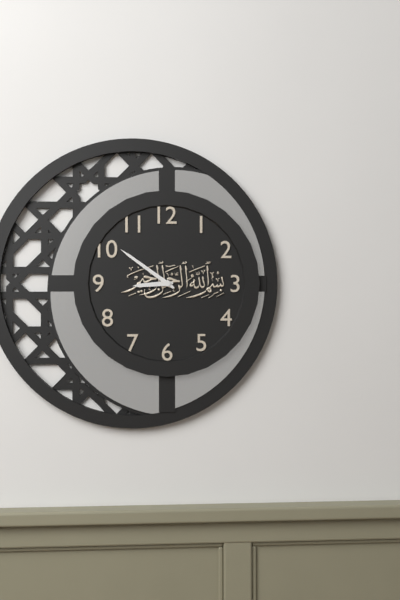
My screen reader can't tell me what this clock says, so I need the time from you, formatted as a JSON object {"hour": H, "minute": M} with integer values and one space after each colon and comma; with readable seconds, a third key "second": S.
{"hour": 8, "minute": 51}
